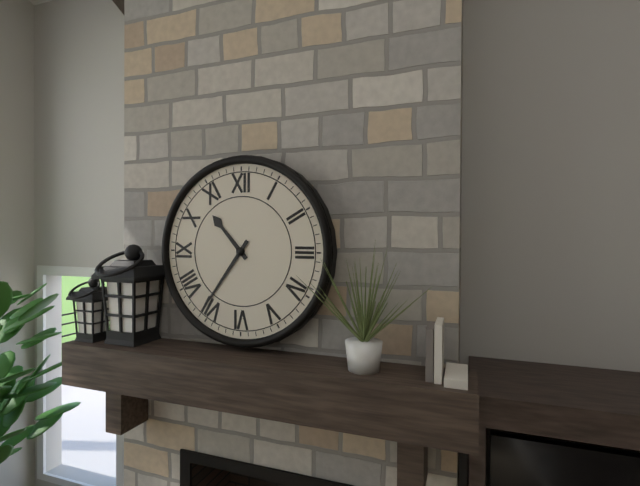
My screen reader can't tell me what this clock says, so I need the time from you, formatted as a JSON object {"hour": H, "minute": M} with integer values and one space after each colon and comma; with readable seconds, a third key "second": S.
{"hour": 10, "minute": 36}
